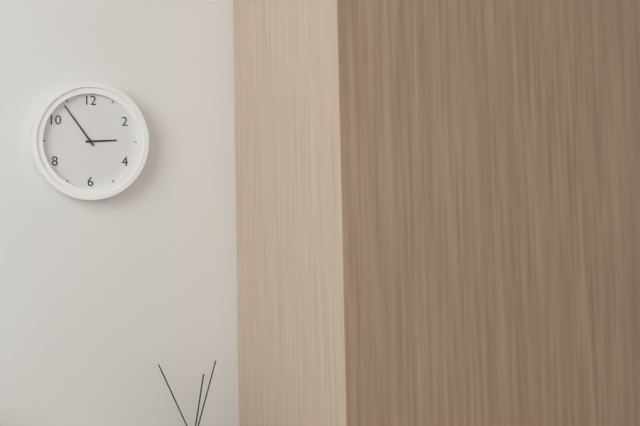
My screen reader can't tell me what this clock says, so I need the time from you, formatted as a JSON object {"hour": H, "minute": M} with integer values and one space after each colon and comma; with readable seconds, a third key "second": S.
{"hour": 2, "minute": 54}
